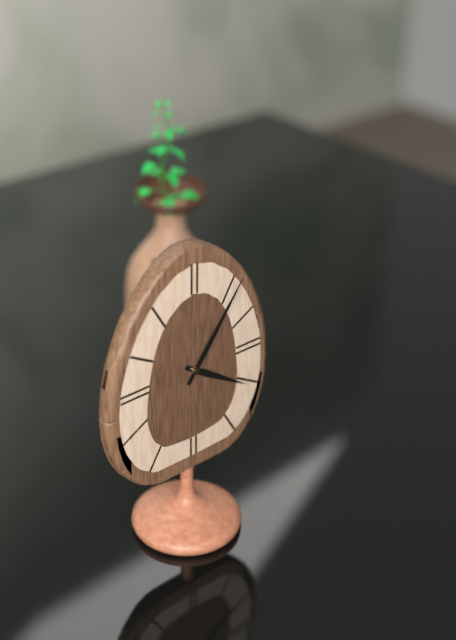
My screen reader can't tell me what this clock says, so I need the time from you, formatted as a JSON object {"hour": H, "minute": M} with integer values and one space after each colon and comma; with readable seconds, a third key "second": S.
{"hour": 4, "minute": 6}
